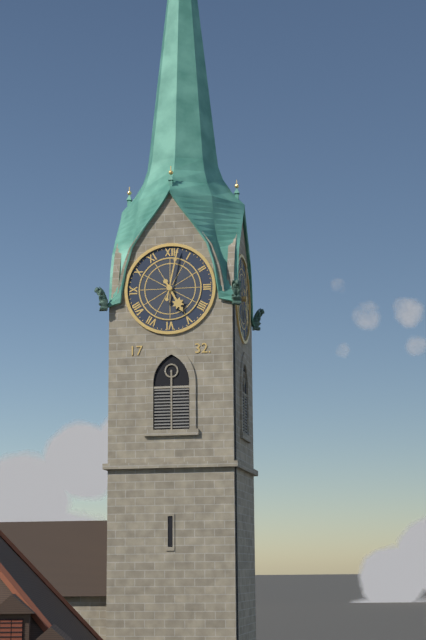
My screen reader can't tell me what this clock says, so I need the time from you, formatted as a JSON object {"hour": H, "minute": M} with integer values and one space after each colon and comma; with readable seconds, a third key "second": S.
{"hour": 5, "minute": 2}
